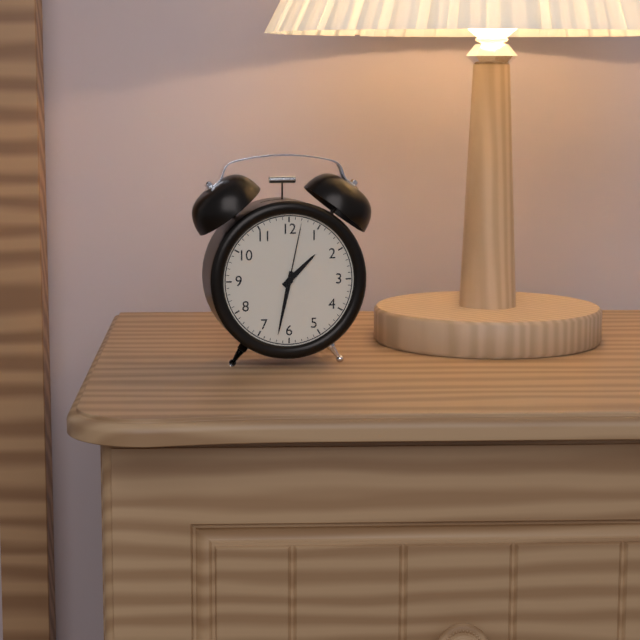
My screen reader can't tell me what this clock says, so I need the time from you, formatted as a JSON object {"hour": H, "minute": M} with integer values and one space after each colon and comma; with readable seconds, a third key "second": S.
{"hour": 1, "minute": 32, "second": 2}
